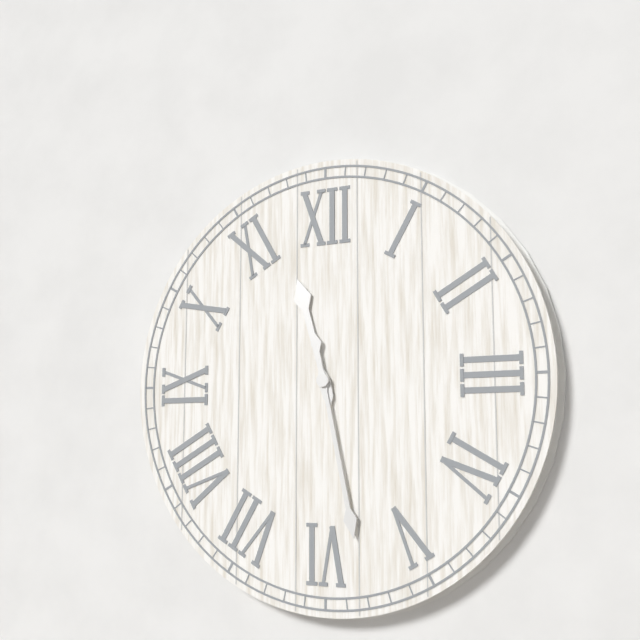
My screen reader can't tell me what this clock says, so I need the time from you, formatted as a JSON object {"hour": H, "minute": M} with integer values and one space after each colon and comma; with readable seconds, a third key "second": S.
{"hour": 11, "minute": 28}
